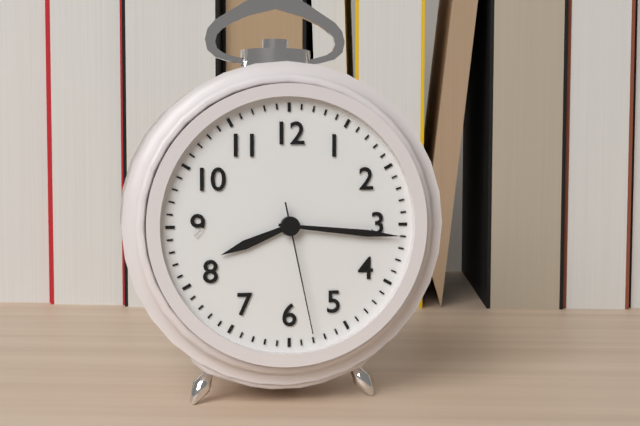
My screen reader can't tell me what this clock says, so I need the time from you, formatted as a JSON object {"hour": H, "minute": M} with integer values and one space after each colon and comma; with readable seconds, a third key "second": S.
{"hour": 8, "minute": 16, "second": 28}
